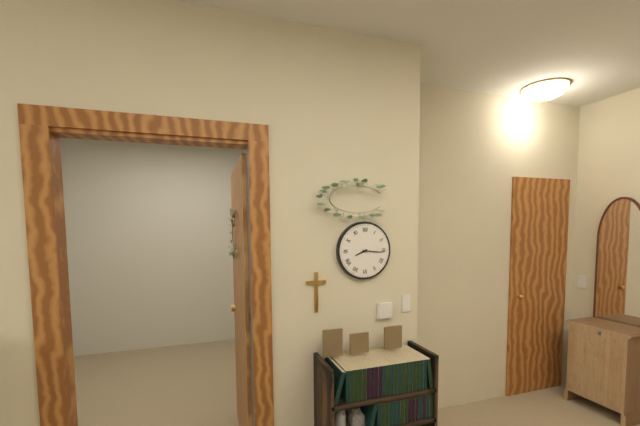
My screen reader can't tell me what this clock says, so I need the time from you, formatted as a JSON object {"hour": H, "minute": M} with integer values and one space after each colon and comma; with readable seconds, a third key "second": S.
{"hour": 8, "minute": 16}
